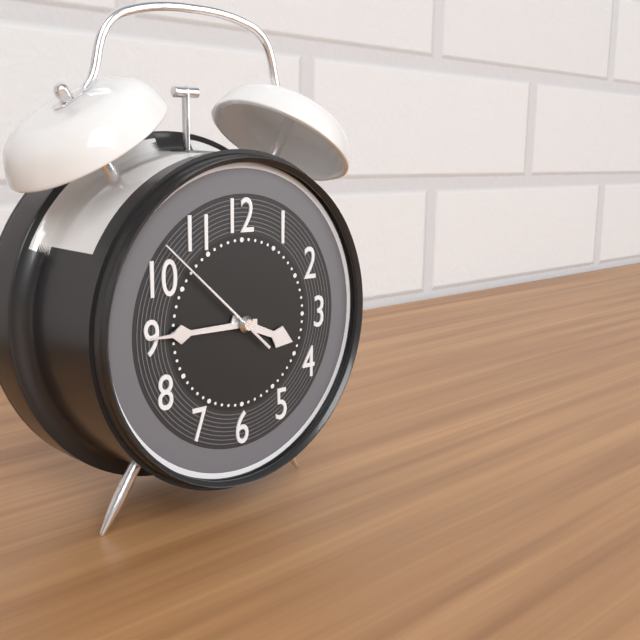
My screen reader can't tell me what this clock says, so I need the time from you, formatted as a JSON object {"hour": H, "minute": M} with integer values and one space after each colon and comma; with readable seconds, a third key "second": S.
{"hour": 3, "minute": 45, "second": 52}
